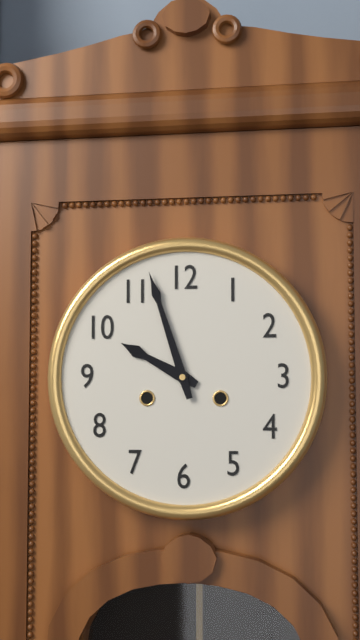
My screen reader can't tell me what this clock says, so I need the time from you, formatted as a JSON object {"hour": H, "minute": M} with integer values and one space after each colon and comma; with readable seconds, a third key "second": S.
{"hour": 9, "minute": 57}
